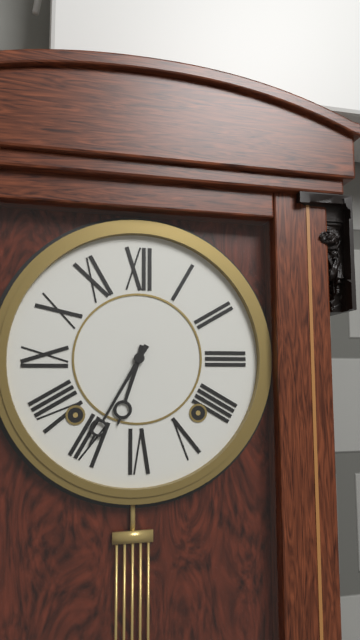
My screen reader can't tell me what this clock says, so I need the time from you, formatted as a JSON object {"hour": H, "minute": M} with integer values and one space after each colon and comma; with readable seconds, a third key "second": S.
{"hour": 6, "minute": 35}
